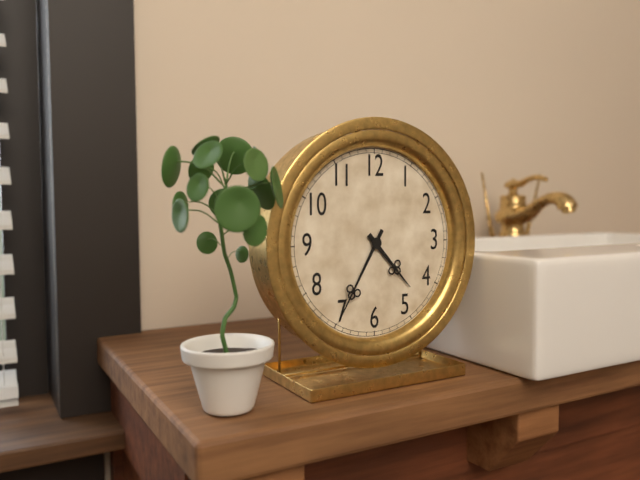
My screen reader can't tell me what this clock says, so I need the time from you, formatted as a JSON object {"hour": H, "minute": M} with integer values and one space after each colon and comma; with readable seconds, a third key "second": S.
{"hour": 4, "minute": 35}
